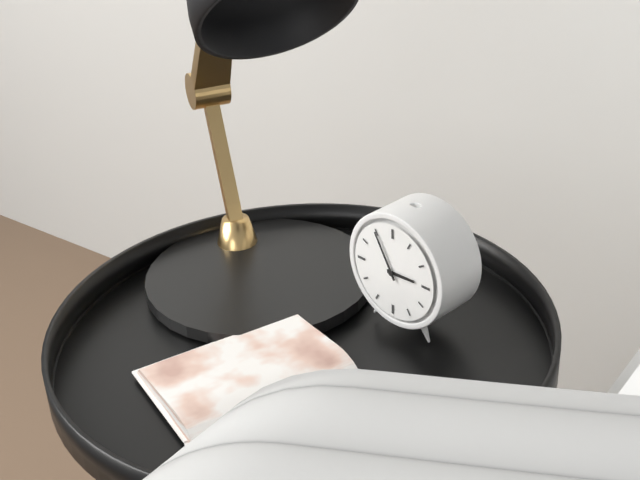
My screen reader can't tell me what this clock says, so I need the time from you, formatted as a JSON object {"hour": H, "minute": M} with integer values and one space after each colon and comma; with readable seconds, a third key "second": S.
{"hour": 2, "minute": 55}
